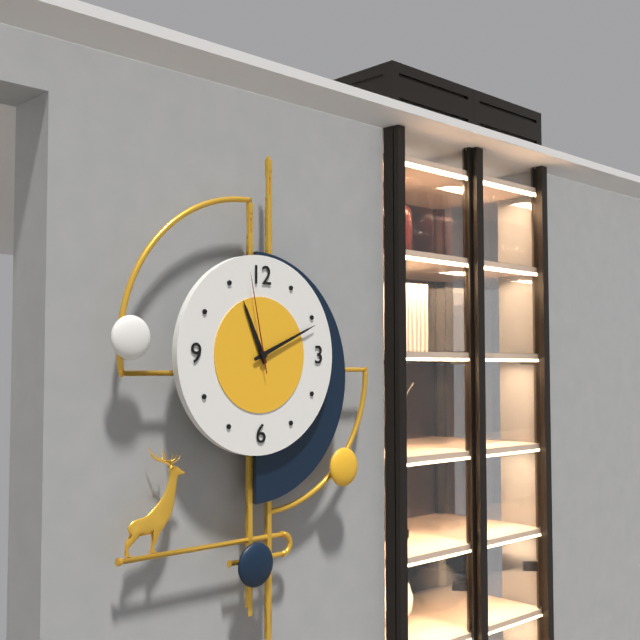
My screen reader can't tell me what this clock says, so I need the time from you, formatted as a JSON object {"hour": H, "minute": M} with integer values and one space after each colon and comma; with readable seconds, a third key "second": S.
{"hour": 11, "minute": 11, "second": 58}
